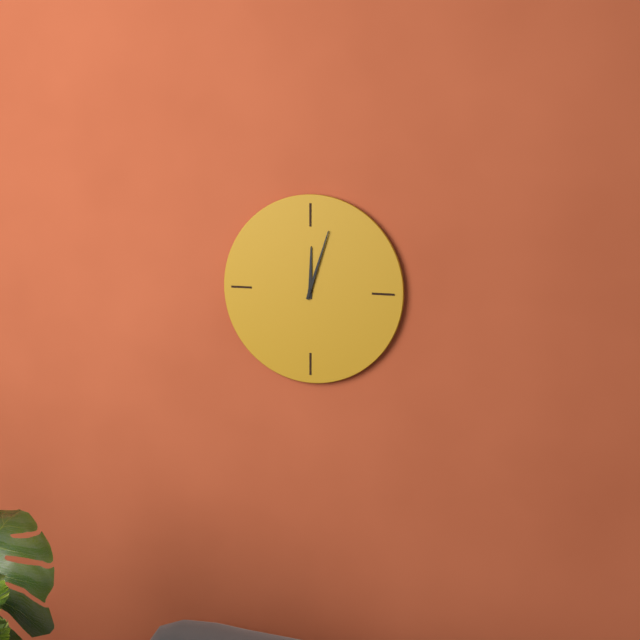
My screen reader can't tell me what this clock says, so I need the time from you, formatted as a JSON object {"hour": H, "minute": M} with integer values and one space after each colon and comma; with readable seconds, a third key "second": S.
{"hour": 12, "minute": 3}
